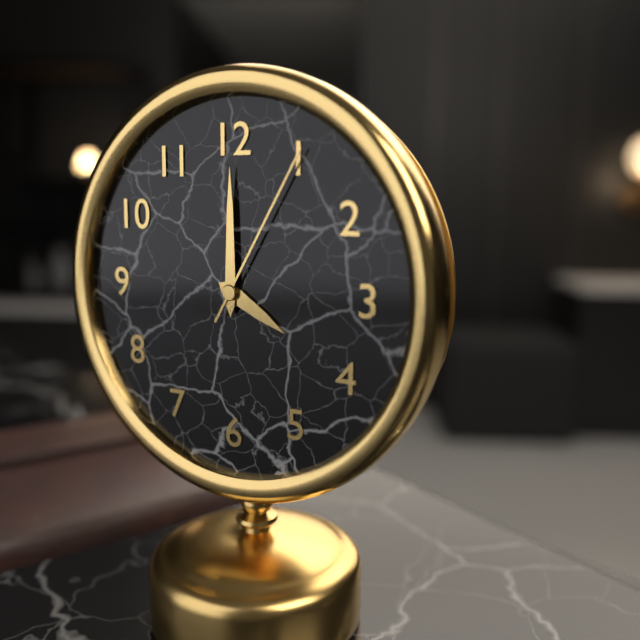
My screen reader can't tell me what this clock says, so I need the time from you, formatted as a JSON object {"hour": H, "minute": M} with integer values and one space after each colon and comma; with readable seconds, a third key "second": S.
{"hour": 4, "minute": 0, "second": 5}
